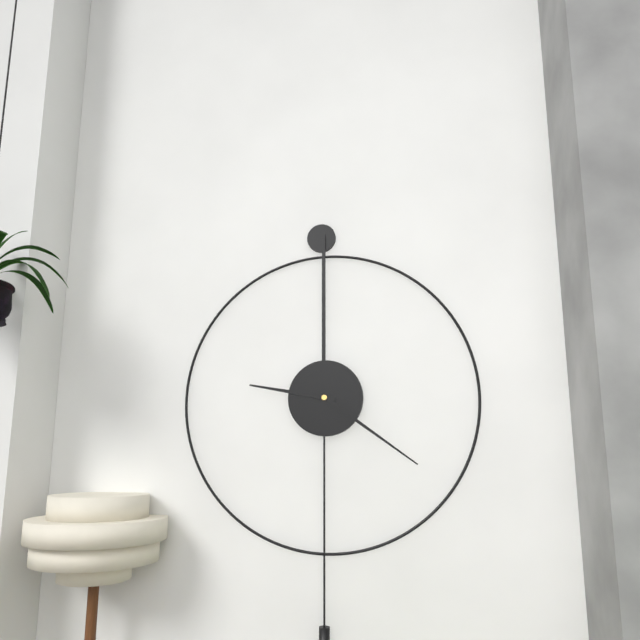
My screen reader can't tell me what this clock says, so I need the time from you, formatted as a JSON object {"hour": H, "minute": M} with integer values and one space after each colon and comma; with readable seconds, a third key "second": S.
{"hour": 9, "minute": 21}
